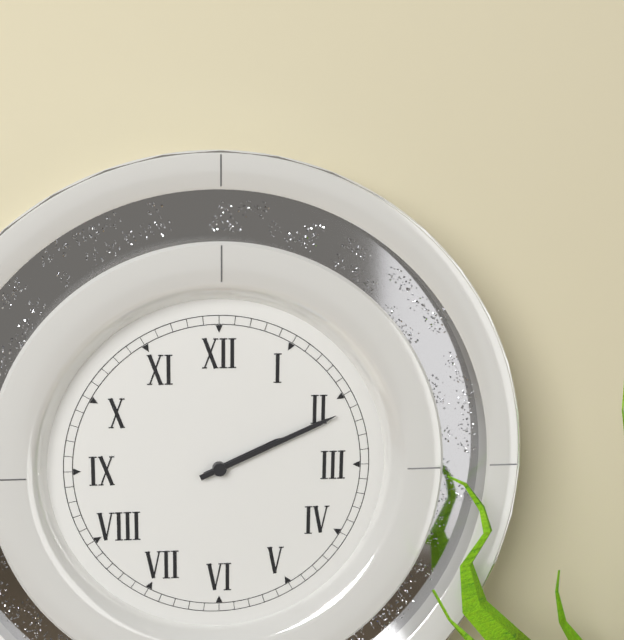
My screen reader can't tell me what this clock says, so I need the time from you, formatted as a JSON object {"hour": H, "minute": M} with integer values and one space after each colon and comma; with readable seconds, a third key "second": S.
{"hour": 2, "minute": 11}
